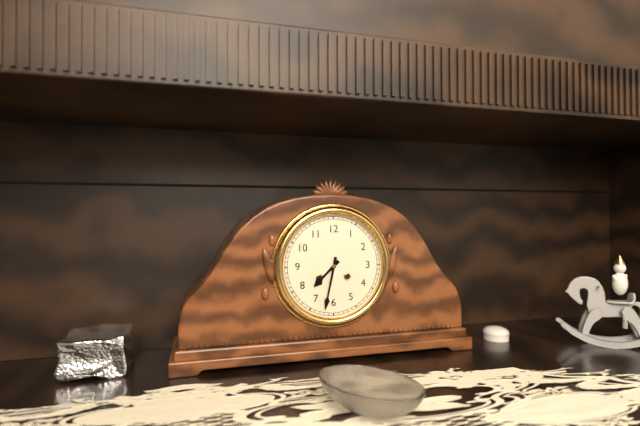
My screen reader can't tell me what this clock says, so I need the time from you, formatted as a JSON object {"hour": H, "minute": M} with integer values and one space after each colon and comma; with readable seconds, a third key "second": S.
{"hour": 7, "minute": 32}
